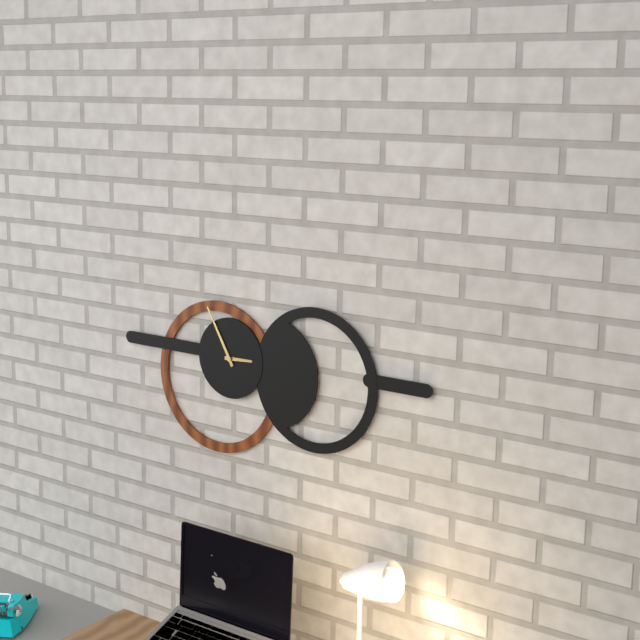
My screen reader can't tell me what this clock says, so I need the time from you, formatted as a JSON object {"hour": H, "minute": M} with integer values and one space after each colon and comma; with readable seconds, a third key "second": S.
{"hour": 2, "minute": 55}
